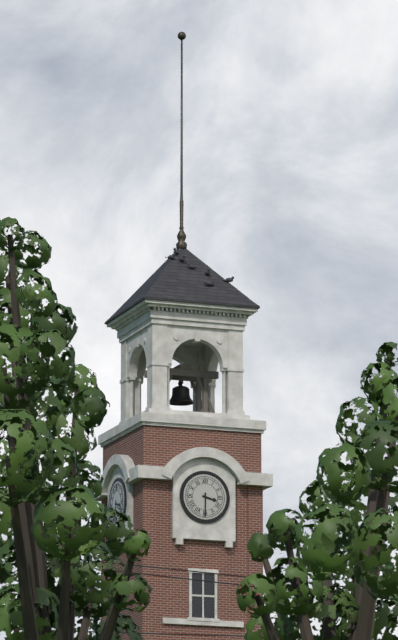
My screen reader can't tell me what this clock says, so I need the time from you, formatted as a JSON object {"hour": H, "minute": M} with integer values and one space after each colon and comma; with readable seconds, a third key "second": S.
{"hour": 3, "minute": 30}
